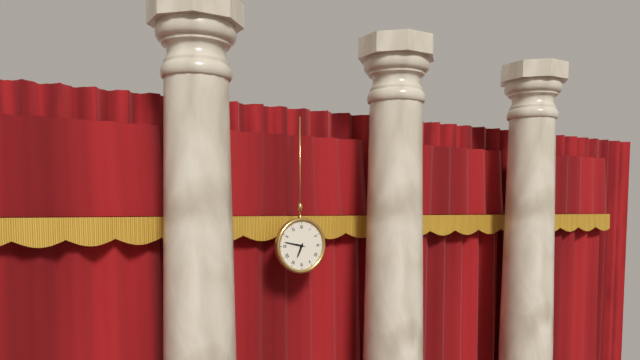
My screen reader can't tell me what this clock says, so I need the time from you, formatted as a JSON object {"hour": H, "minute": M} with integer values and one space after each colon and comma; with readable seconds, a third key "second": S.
{"hour": 6, "minute": 47}
